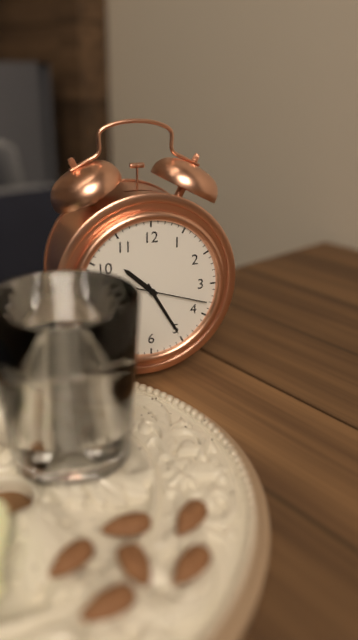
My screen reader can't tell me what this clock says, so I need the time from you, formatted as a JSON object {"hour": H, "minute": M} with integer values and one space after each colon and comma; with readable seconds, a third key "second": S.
{"hour": 10, "minute": 25, "second": 18}
